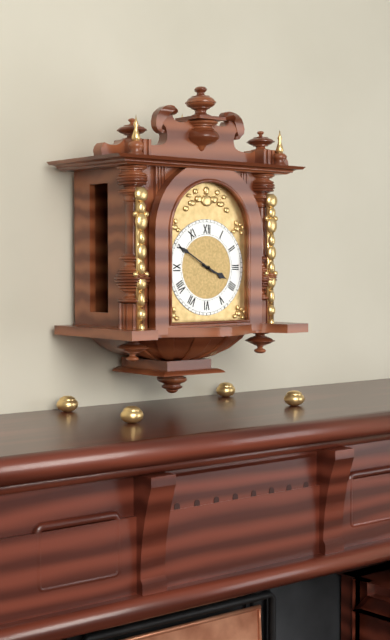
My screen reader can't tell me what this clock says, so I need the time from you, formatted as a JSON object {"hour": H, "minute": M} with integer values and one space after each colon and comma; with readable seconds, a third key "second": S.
{"hour": 3, "minute": 50}
